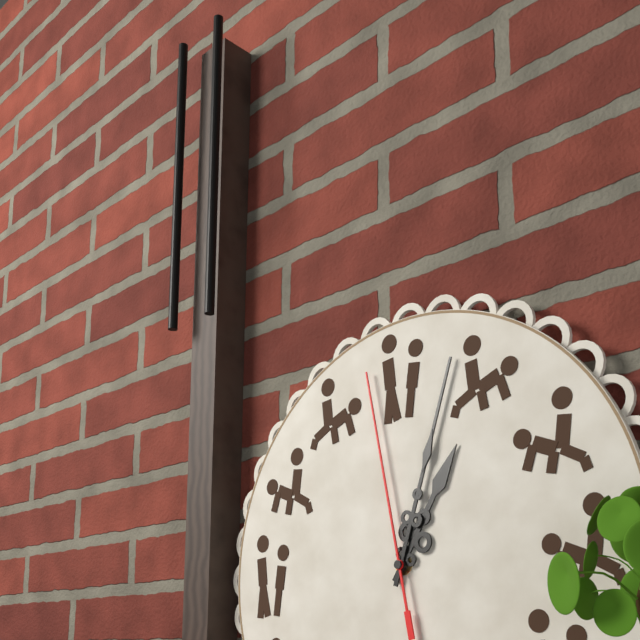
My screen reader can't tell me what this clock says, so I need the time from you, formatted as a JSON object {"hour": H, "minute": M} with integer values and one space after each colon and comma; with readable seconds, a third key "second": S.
{"hour": 1, "minute": 3, "second": 58}
